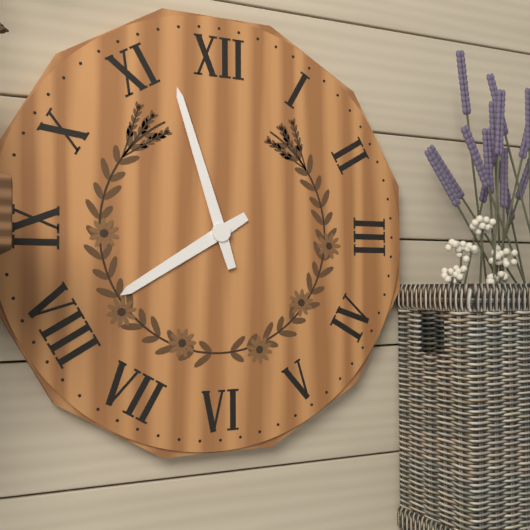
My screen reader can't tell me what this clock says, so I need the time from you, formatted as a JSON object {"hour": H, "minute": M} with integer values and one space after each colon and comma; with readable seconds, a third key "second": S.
{"hour": 7, "minute": 57}
